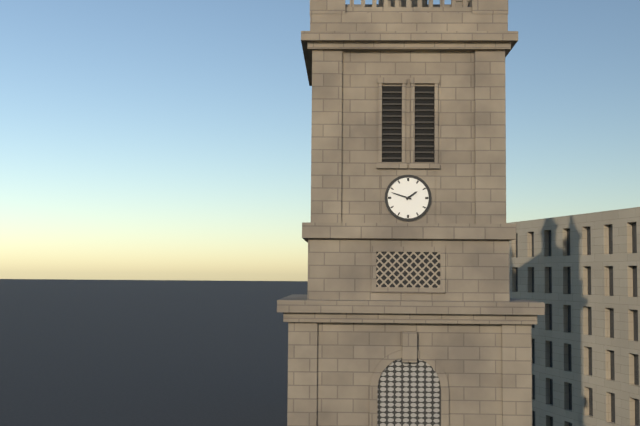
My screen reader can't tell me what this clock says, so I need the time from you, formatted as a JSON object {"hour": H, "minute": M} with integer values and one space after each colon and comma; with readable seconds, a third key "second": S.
{"hour": 1, "minute": 48}
